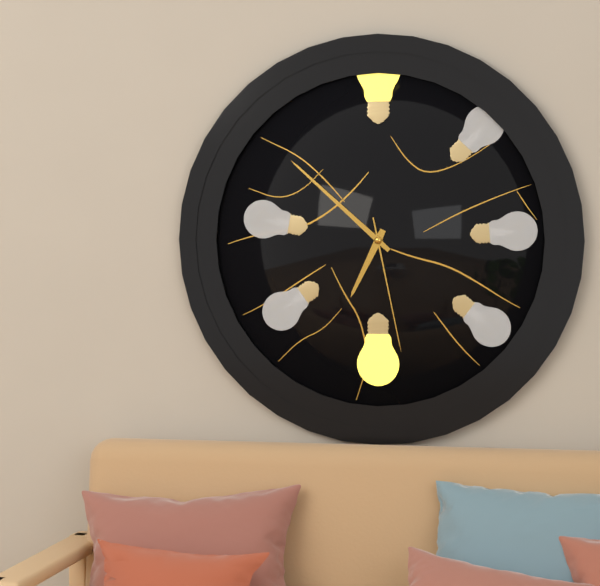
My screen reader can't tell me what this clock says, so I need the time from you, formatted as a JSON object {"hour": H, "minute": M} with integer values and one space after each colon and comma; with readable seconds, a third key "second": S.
{"hour": 6, "minute": 52, "second": 28}
